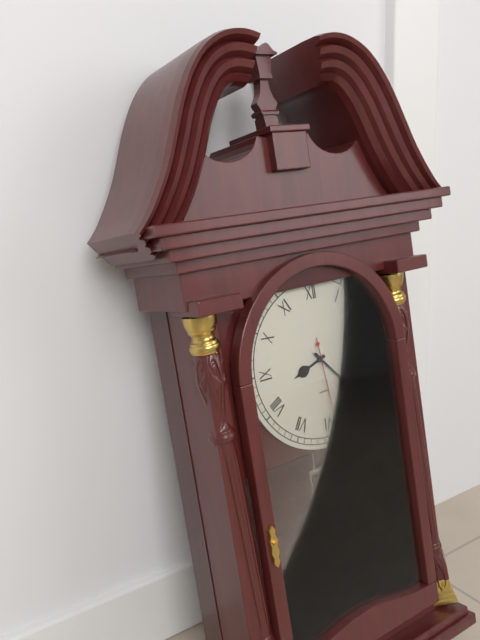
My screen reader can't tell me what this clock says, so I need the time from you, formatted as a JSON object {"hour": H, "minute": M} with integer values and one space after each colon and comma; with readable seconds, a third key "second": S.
{"hour": 8, "minute": 23, "second": 29}
